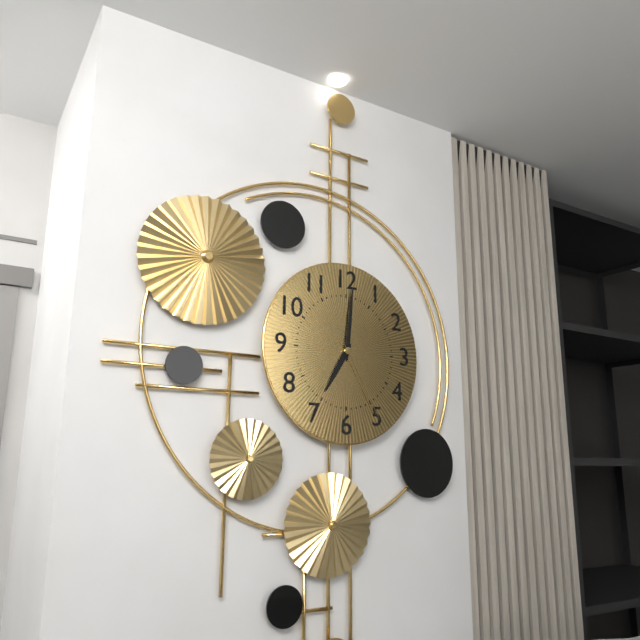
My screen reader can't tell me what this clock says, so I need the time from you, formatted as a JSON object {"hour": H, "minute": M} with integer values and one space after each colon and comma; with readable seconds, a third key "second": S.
{"hour": 7, "minute": 1, "second": 25}
